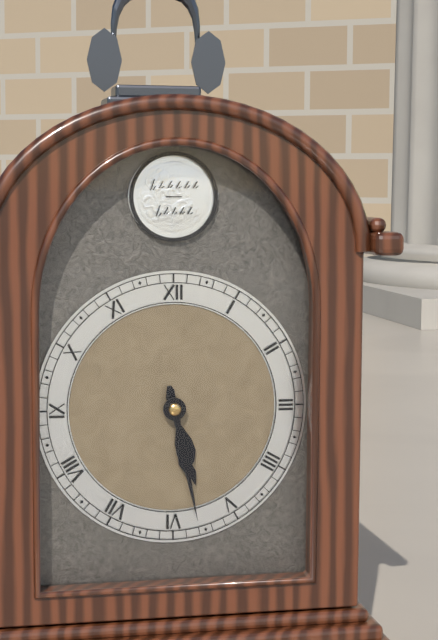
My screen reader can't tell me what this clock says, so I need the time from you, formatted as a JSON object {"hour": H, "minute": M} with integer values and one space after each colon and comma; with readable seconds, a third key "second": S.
{"hour": 5, "minute": 28}
